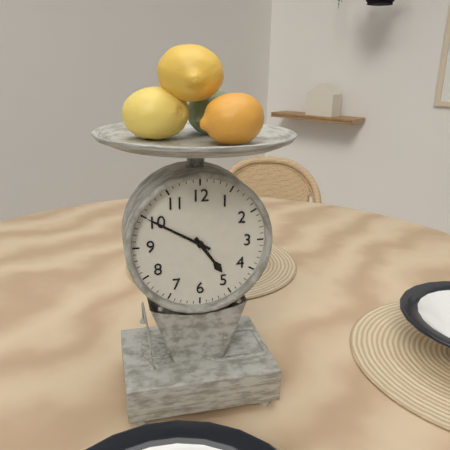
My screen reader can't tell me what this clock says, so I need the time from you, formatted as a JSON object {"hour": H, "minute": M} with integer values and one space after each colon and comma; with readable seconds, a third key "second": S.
{"hour": 4, "minute": 50}
